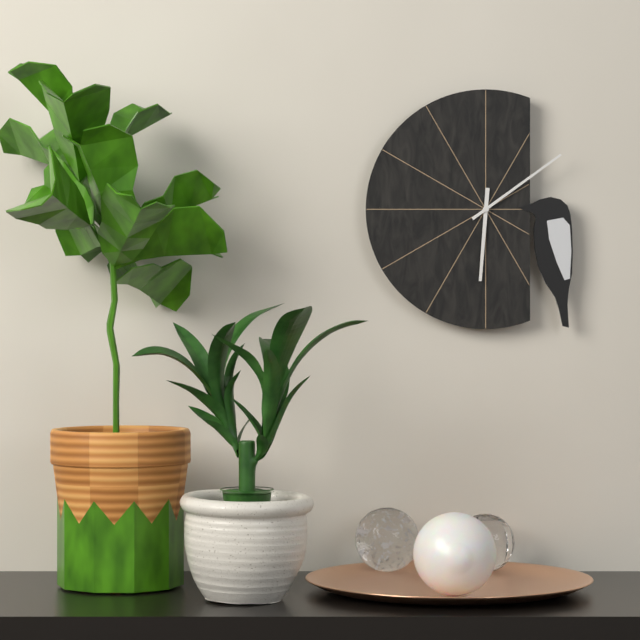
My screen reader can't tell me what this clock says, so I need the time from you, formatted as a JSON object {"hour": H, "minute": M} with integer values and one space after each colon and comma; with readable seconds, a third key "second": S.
{"hour": 6, "minute": 9}
